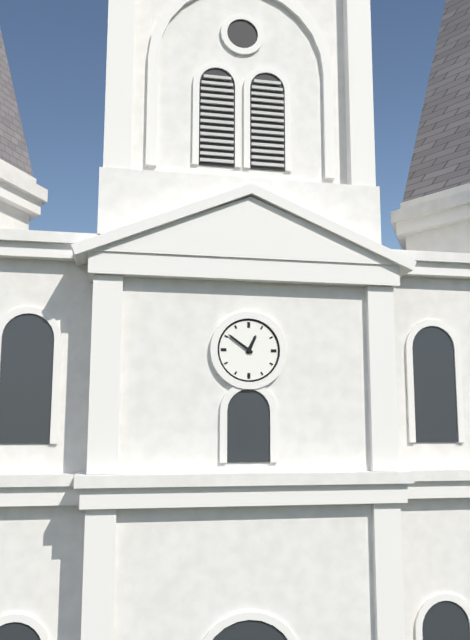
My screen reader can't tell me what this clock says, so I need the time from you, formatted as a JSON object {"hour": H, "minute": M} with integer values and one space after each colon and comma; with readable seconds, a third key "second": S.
{"hour": 12, "minute": 51}
